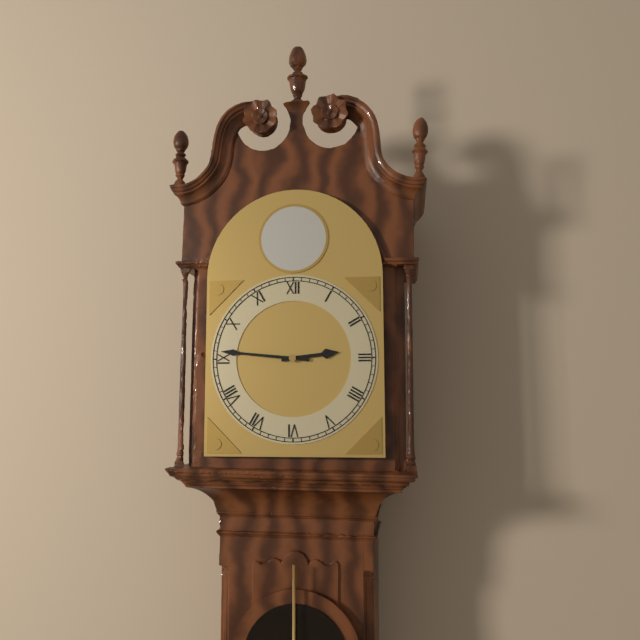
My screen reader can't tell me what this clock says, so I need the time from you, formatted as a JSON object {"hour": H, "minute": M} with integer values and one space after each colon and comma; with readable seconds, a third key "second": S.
{"hour": 2, "minute": 46}
